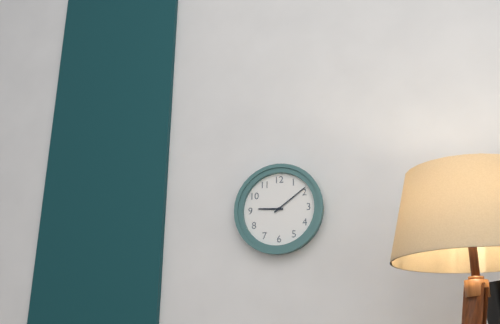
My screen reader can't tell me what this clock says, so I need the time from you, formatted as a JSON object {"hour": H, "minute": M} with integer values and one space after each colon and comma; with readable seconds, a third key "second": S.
{"hour": 9, "minute": 9}
